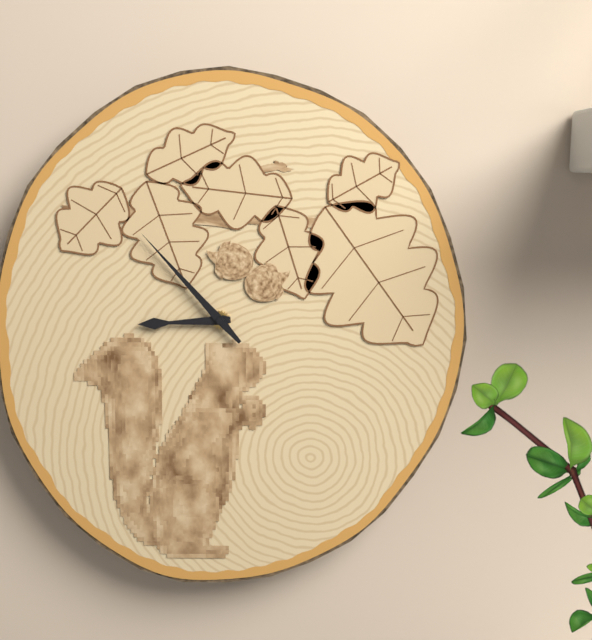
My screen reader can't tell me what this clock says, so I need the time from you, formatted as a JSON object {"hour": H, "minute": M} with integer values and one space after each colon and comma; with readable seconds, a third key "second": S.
{"hour": 8, "minute": 53}
